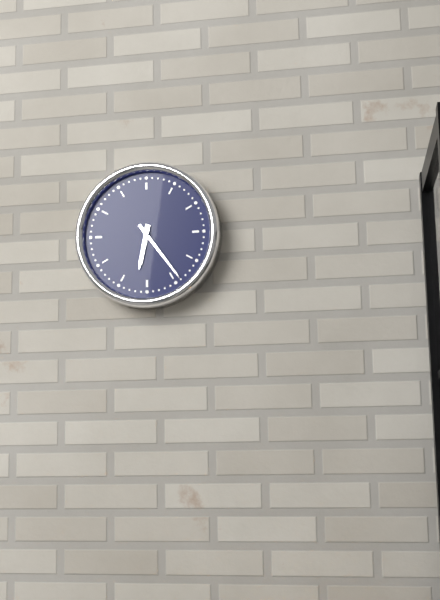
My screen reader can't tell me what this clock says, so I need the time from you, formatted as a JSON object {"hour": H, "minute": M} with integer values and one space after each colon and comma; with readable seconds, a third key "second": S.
{"hour": 6, "minute": 24}
